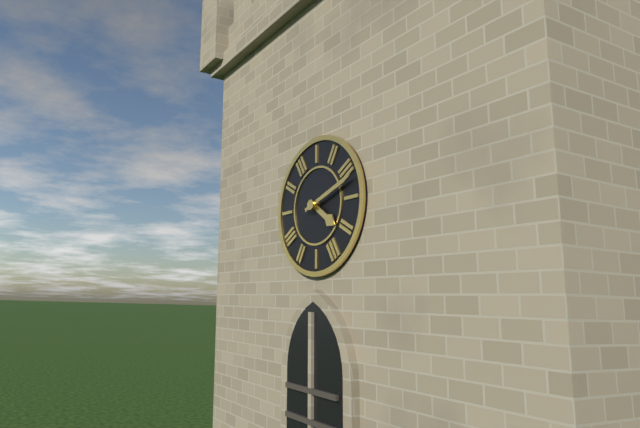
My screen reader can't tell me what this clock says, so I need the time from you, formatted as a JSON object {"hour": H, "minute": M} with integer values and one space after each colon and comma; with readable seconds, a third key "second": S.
{"hour": 4, "minute": 12}
